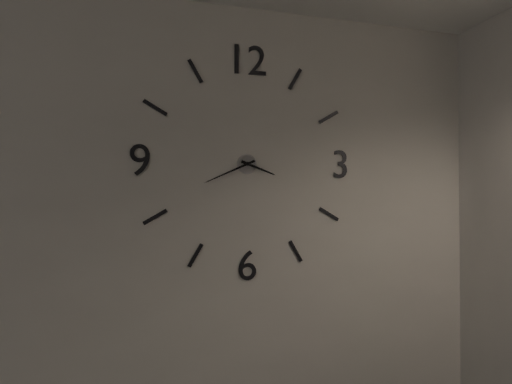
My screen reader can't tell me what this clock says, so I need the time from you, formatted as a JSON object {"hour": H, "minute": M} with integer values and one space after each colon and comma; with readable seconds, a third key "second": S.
{"hour": 3, "minute": 41}
